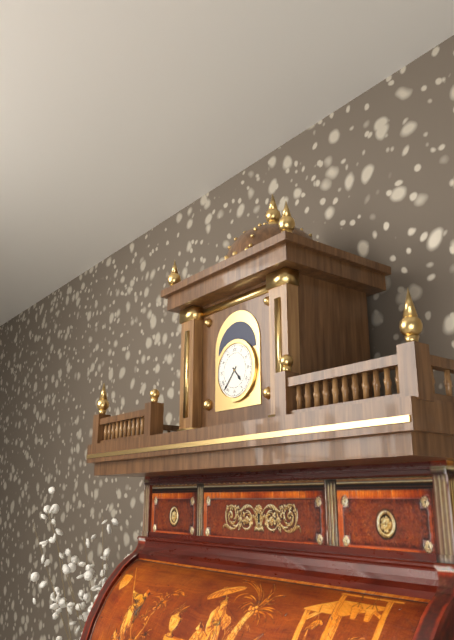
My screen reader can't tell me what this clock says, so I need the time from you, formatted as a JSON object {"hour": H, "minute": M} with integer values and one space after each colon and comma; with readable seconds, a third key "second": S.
{"hour": 4, "minute": 37}
